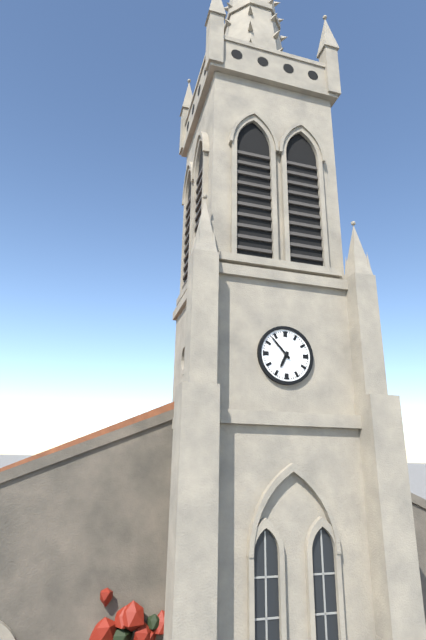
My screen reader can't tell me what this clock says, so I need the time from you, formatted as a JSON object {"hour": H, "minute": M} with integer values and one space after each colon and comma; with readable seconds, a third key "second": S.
{"hour": 6, "minute": 53}
